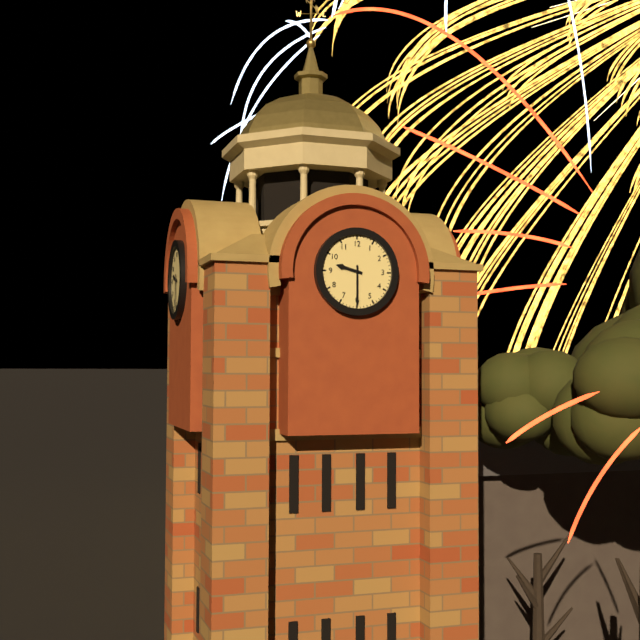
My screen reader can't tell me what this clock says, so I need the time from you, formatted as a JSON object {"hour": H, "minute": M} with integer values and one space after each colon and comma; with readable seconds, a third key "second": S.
{"hour": 9, "minute": 30}
